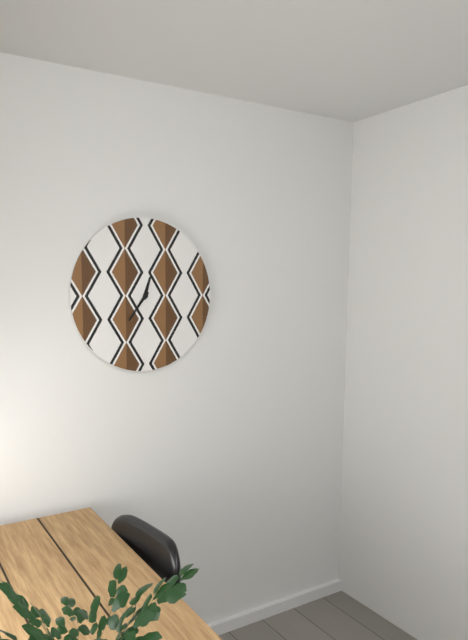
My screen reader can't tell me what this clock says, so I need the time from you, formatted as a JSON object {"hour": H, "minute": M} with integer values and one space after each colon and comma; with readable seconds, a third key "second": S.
{"hour": 12, "minute": 36}
